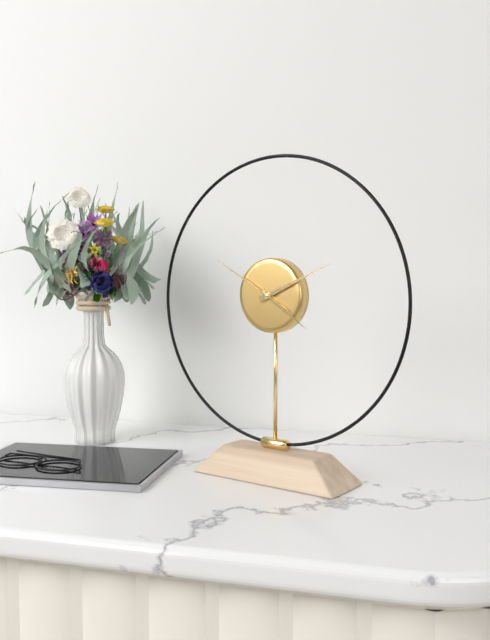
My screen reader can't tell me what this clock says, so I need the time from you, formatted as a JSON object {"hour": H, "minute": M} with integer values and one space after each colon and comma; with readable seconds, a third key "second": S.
{"hour": 4, "minute": 11, "second": 50}
